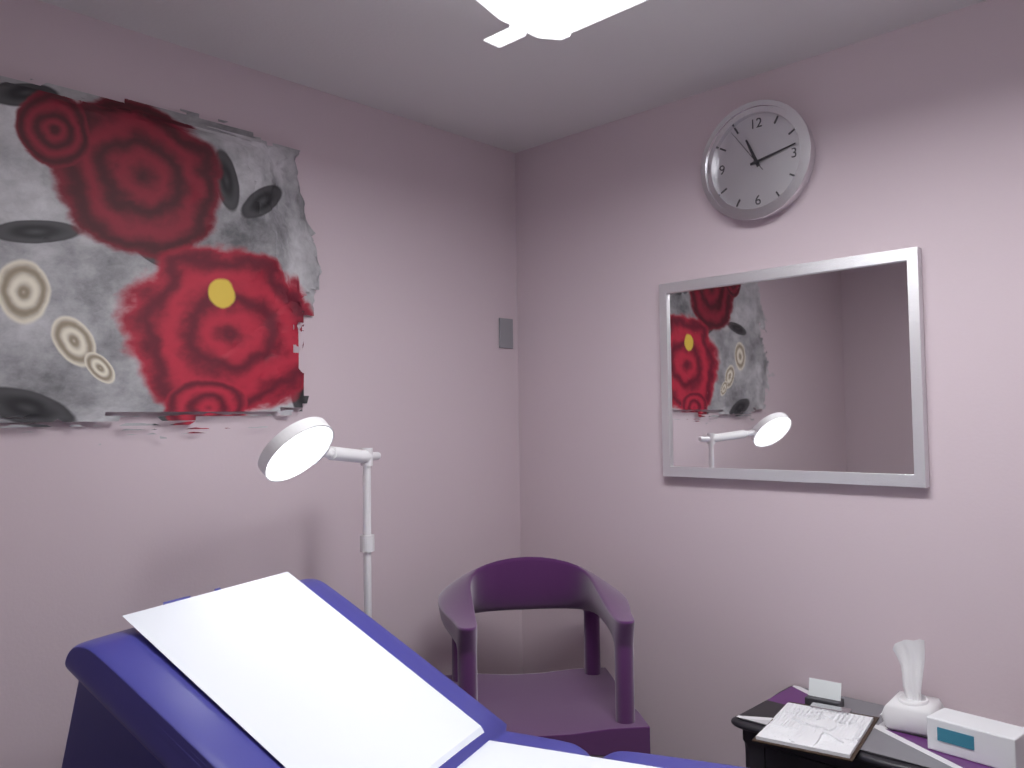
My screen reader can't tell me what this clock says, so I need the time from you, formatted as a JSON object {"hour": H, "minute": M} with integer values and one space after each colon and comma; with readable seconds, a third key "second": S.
{"hour": 11, "minute": 13}
